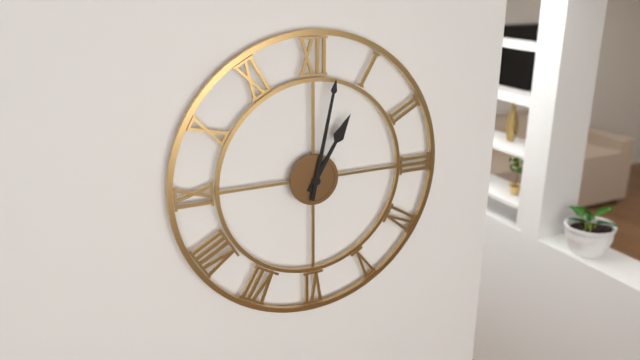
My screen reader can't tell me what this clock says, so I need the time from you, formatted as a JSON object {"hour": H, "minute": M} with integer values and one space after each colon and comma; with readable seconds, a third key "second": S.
{"hour": 1, "minute": 2}
